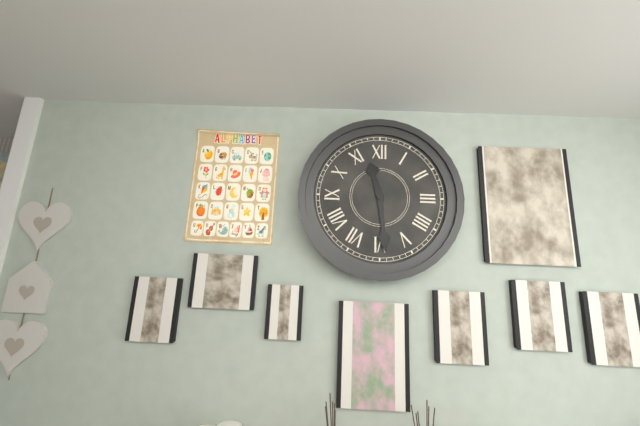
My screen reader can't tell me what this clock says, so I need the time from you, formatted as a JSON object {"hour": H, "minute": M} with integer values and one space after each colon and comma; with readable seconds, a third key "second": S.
{"hour": 11, "minute": 29}
